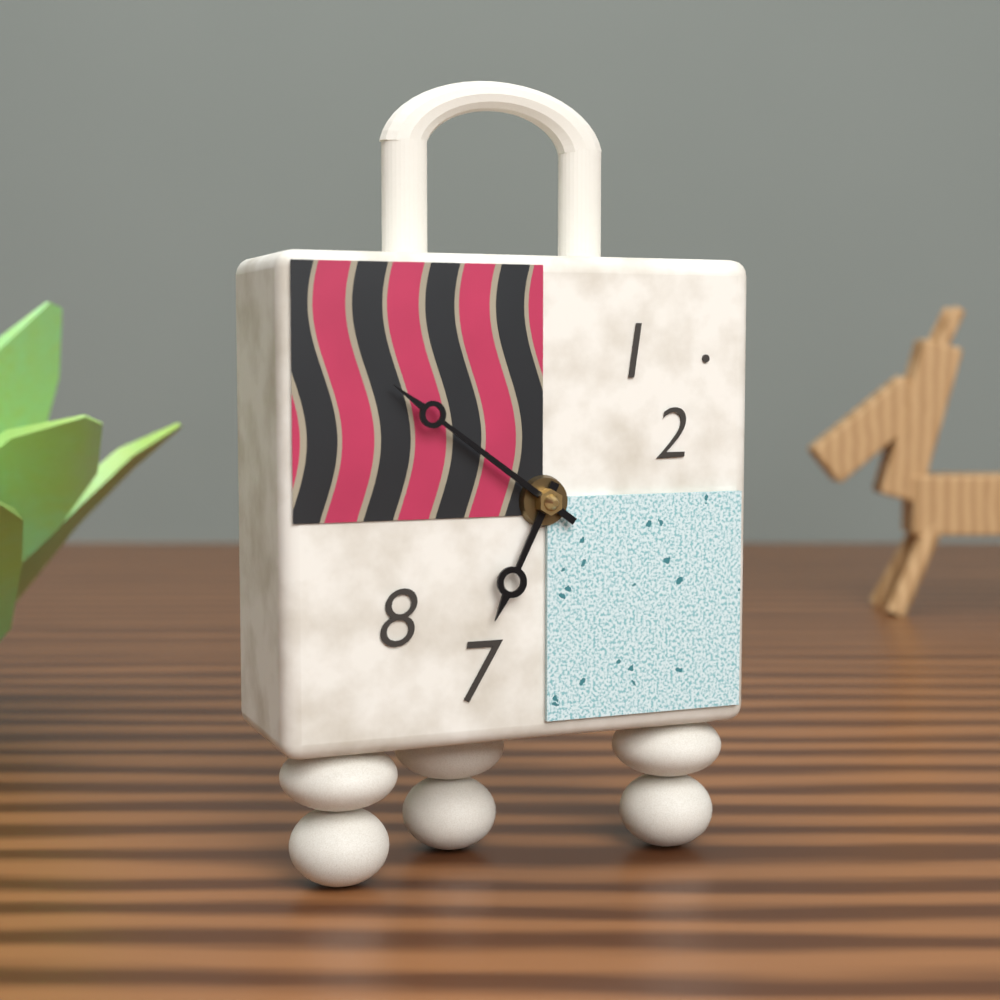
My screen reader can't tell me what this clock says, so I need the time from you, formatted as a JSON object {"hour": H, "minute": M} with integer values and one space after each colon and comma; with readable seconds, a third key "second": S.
{"hour": 6, "minute": 51}
